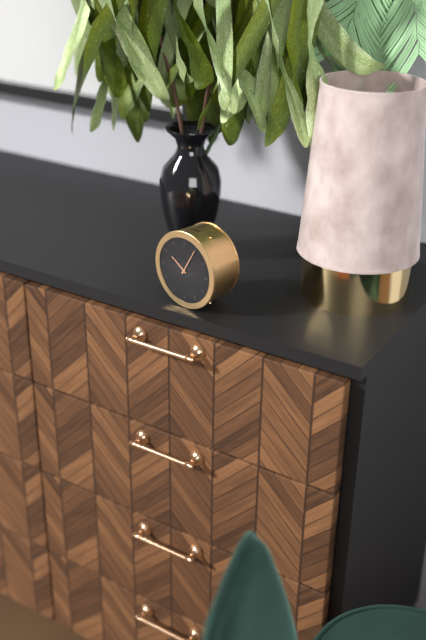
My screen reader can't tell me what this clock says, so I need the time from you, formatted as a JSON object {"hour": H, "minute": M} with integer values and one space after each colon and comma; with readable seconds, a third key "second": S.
{"hour": 10, "minute": 5}
